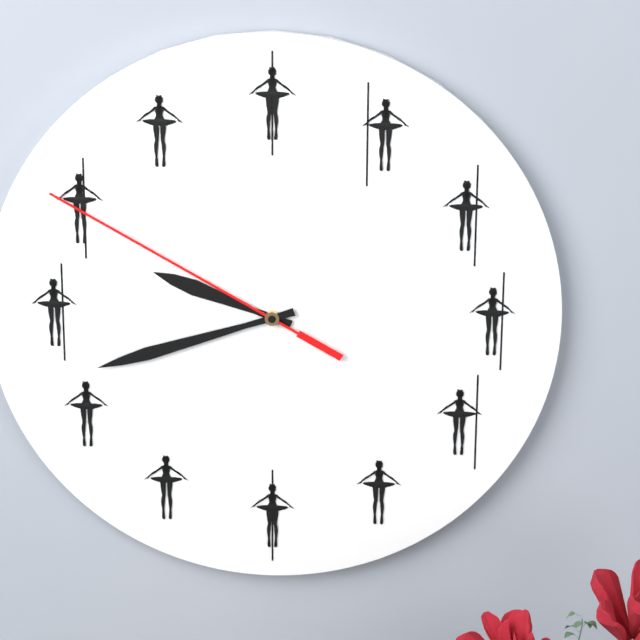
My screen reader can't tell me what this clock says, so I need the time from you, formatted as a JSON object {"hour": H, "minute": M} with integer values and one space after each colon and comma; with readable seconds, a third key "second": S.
{"hour": 9, "minute": 42, "second": 50}
